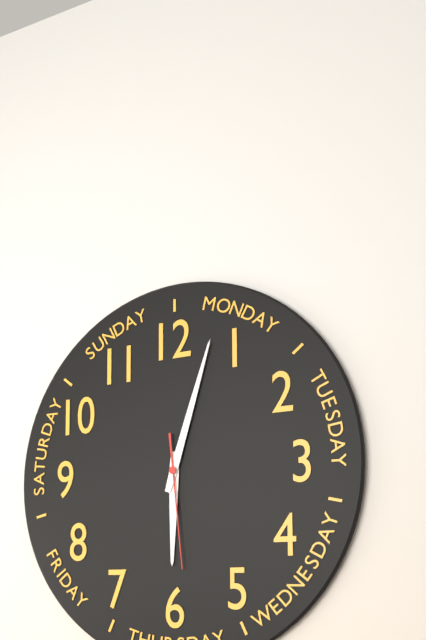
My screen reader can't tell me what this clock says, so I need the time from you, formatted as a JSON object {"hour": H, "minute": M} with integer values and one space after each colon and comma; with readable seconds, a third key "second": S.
{"hour": 6, "minute": 3, "second": 29}
